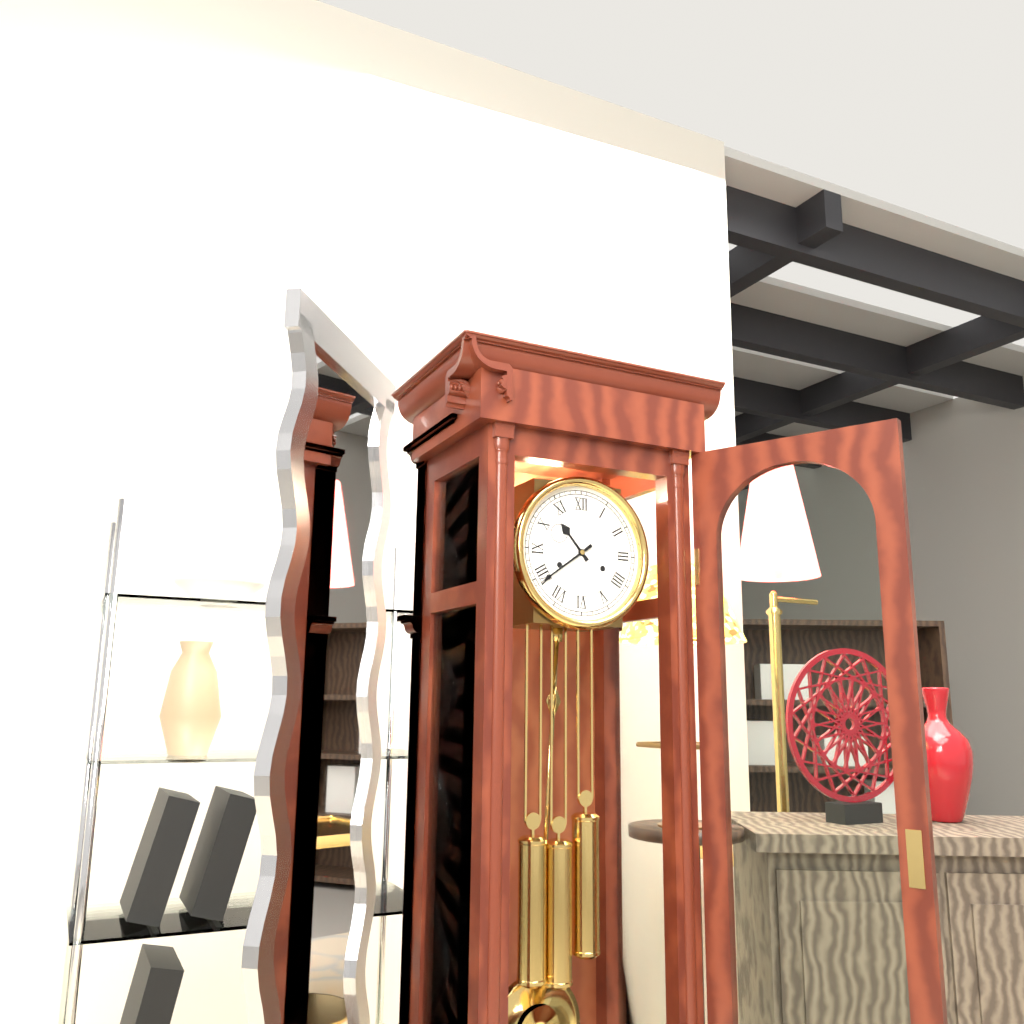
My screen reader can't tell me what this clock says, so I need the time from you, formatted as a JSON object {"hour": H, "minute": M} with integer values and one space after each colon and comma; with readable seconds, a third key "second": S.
{"hour": 10, "minute": 39}
